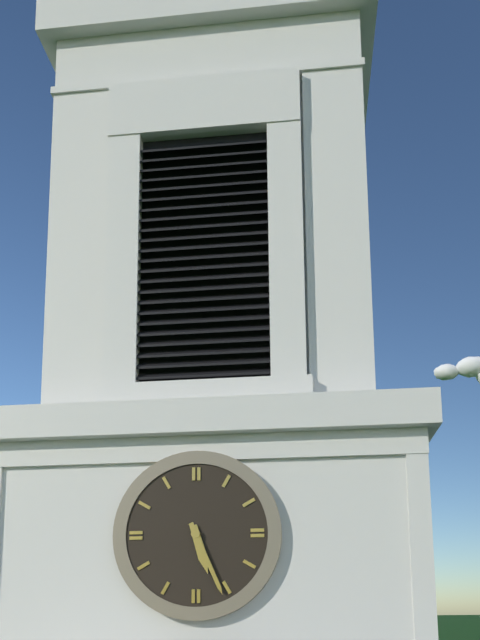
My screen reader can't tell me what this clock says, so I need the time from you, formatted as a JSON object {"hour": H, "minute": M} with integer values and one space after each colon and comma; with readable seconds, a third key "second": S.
{"hour": 5, "minute": 26}
